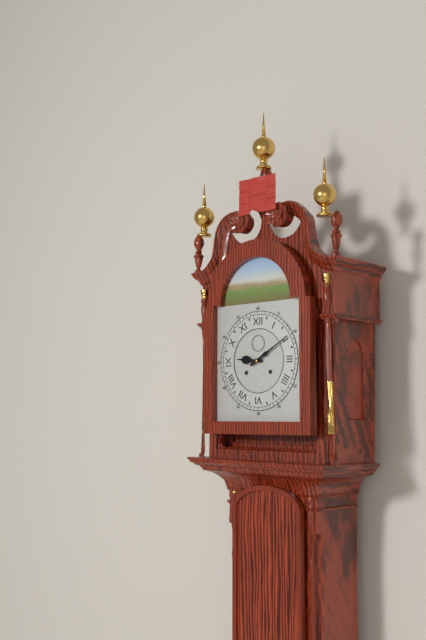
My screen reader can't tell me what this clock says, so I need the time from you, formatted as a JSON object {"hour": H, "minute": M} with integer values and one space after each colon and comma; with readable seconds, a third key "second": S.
{"hour": 9, "minute": 10}
